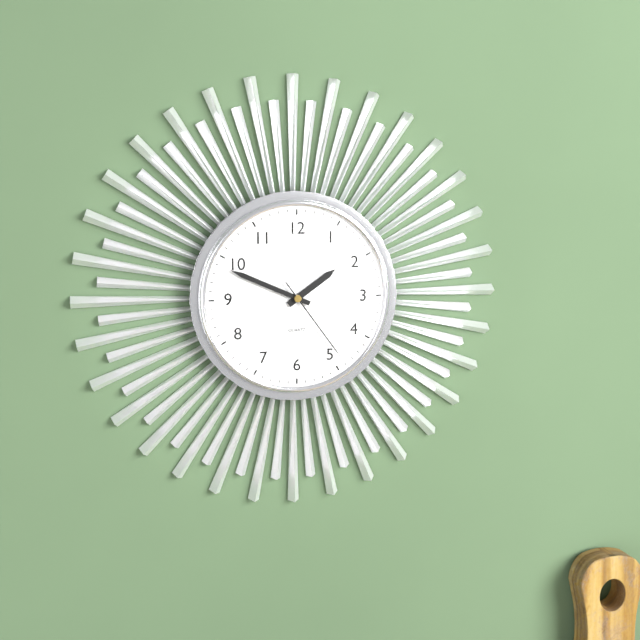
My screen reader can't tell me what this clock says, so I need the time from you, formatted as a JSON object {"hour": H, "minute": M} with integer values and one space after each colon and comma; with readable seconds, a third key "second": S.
{"hour": 1, "minute": 49, "second": 24}
